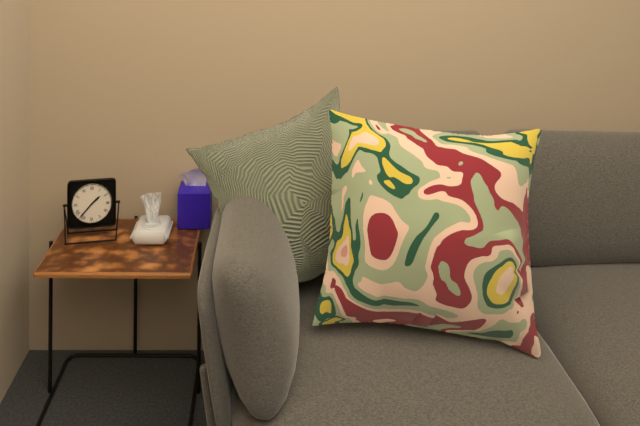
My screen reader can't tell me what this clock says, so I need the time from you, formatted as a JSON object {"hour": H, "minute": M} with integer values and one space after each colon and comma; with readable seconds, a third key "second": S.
{"hour": 1, "minute": 37}
